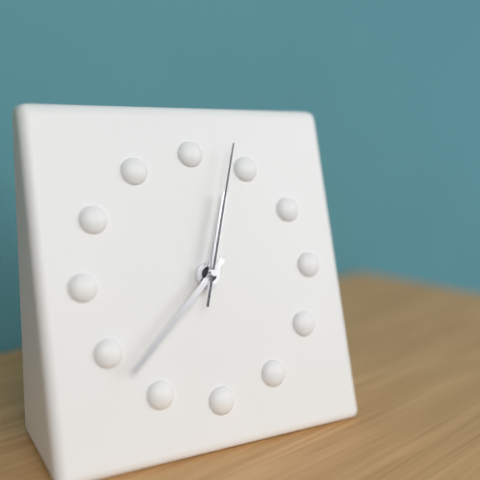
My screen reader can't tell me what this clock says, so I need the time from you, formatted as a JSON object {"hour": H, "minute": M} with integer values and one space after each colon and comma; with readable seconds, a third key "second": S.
{"hour": 12, "minute": 38, "second": 3}
